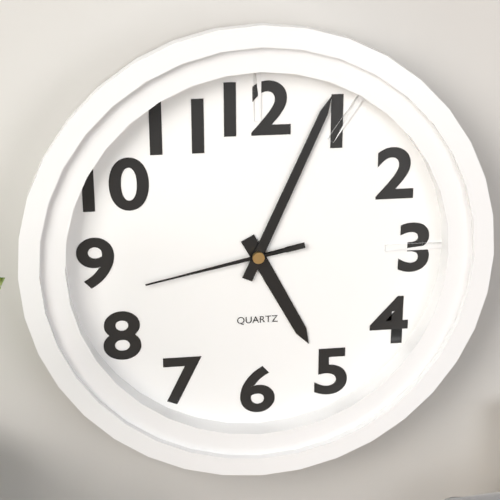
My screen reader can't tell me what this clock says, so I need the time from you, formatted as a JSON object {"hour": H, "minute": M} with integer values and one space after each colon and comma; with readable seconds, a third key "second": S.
{"hour": 5, "minute": 4, "second": 43}
